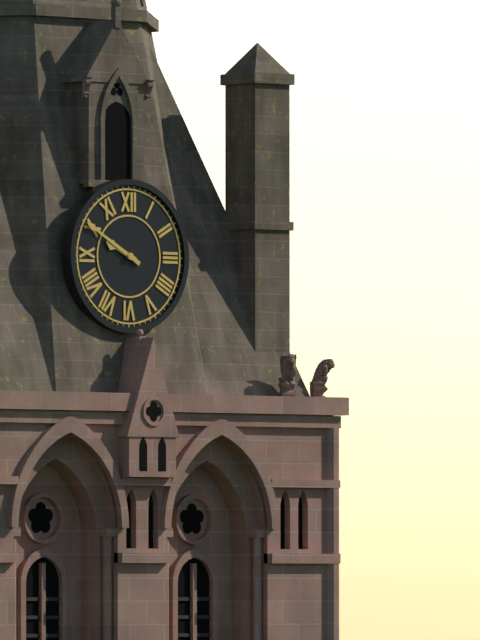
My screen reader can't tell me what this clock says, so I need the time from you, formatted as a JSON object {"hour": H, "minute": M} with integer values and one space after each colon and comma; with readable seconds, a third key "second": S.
{"hour": 9, "minute": 50}
